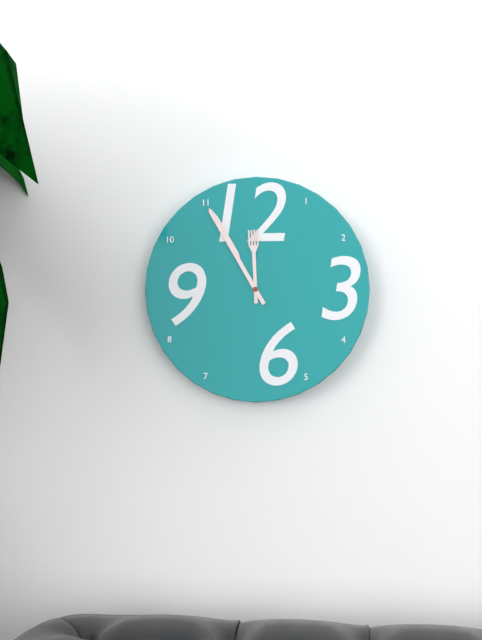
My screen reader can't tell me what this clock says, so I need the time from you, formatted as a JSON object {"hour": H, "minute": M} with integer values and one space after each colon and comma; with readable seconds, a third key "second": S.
{"hour": 11, "minute": 55}
